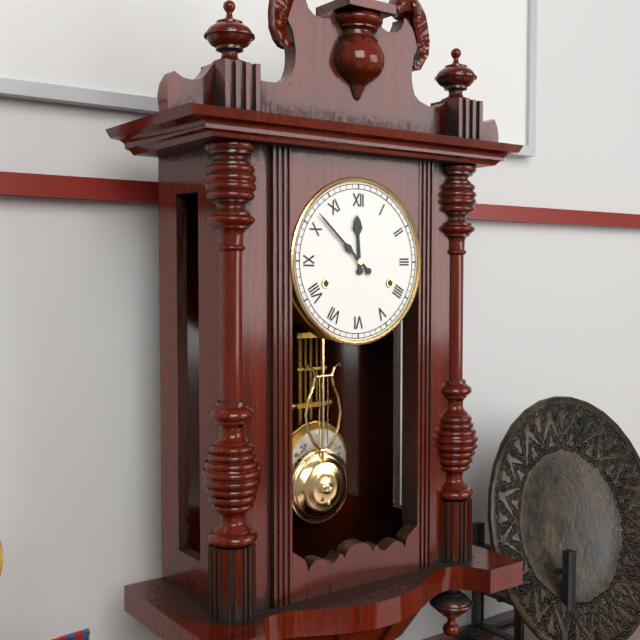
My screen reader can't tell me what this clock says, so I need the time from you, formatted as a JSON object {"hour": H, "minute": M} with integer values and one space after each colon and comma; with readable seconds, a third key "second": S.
{"hour": 11, "minute": 52}
